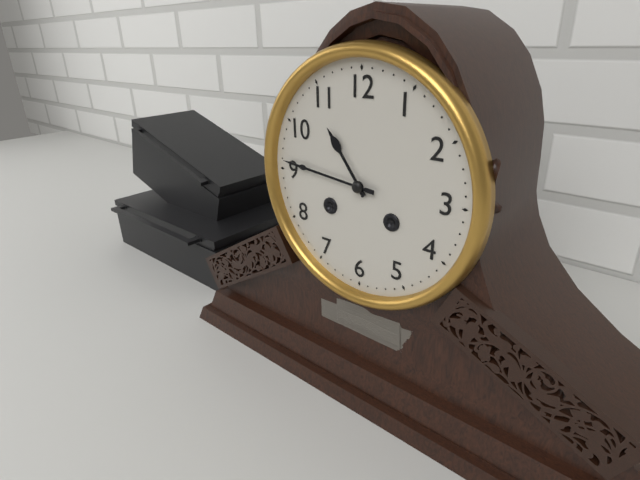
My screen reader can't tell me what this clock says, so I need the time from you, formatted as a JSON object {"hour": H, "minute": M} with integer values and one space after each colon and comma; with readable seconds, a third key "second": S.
{"hour": 10, "minute": 46}
